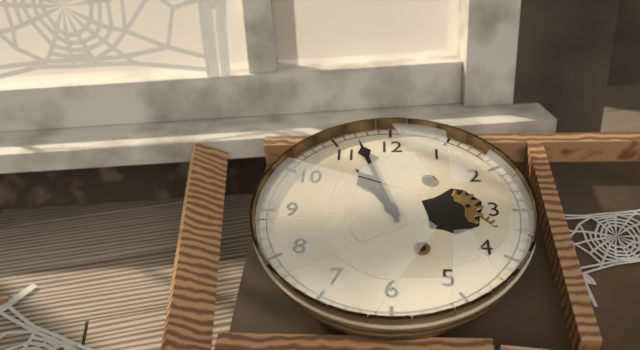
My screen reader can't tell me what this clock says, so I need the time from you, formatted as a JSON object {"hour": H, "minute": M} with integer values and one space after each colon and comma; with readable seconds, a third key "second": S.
{"hour": 10, "minute": 57}
